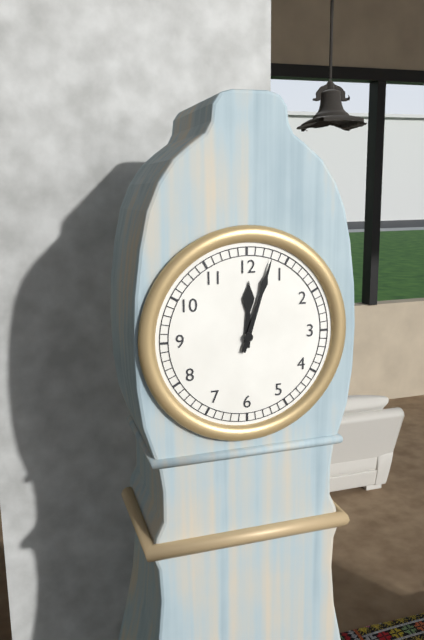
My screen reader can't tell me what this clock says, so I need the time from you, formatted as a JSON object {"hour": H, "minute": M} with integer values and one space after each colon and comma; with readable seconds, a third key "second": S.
{"hour": 12, "minute": 3}
